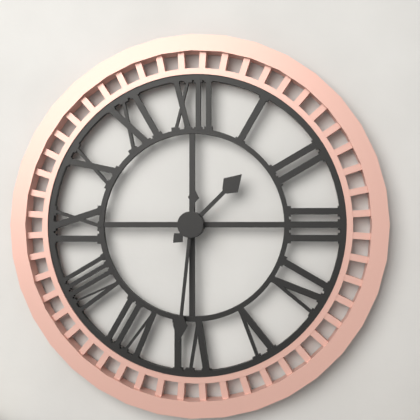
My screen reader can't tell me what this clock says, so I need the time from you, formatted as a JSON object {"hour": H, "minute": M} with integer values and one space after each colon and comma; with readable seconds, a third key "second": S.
{"hour": 1, "minute": 31}
